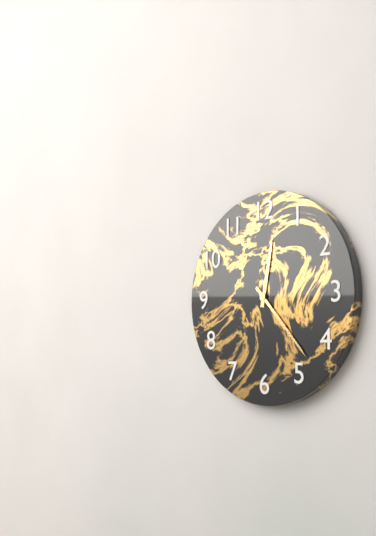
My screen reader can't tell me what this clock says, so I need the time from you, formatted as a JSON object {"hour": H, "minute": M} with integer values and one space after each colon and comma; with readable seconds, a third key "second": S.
{"hour": 12, "minute": 23}
